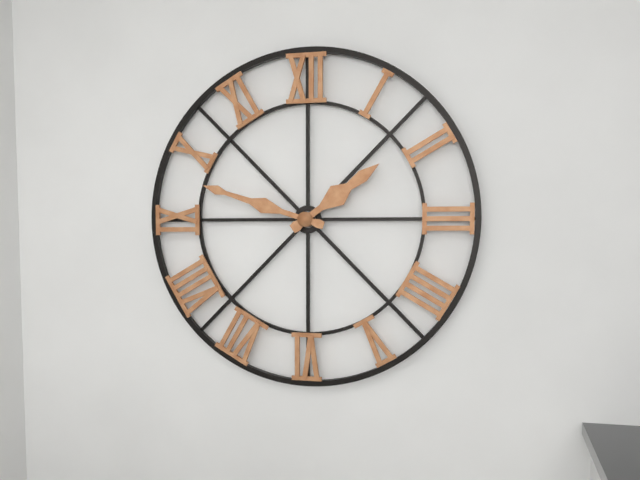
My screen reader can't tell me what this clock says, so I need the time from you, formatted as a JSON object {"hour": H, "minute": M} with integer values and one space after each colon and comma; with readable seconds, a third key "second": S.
{"hour": 1, "minute": 48}
